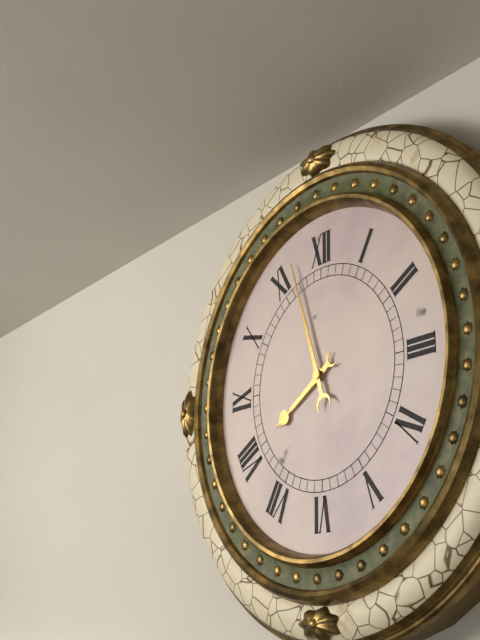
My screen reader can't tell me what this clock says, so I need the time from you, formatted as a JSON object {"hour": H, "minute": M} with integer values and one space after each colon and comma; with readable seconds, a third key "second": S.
{"hour": 7, "minute": 57}
